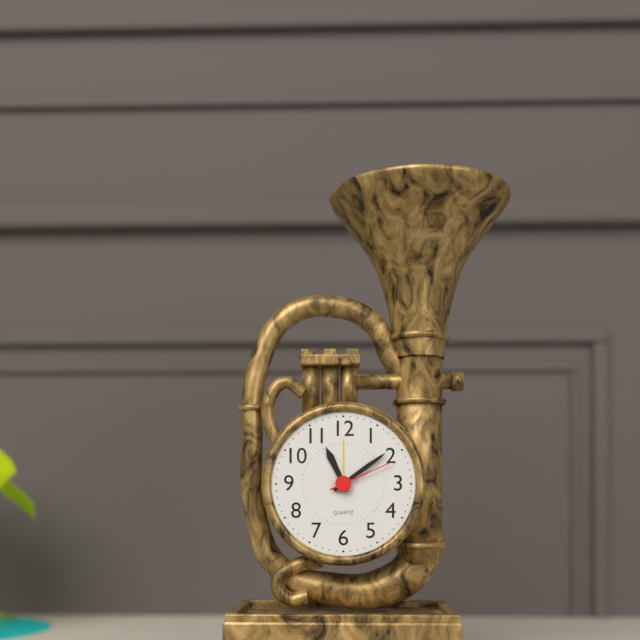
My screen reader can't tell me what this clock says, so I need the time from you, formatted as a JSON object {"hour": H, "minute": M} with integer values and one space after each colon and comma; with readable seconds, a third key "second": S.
{"hour": 11, "minute": 9, "second": 11}
